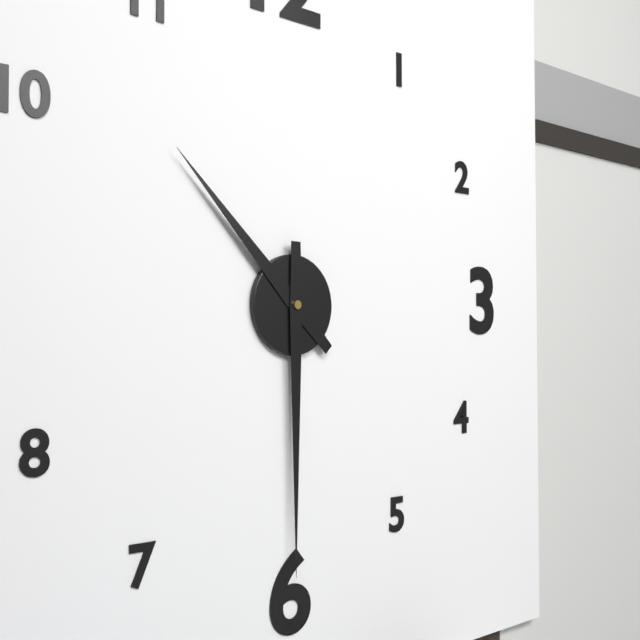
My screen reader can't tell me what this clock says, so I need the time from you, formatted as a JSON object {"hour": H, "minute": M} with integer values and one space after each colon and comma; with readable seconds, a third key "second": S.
{"hour": 10, "minute": 30}
